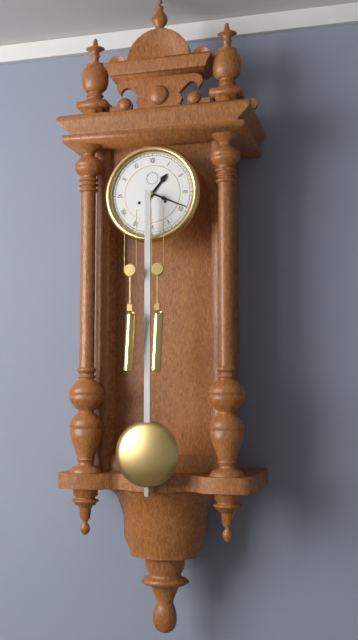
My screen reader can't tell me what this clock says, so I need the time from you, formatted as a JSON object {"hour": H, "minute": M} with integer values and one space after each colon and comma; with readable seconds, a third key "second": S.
{"hour": 1, "minute": 19}
